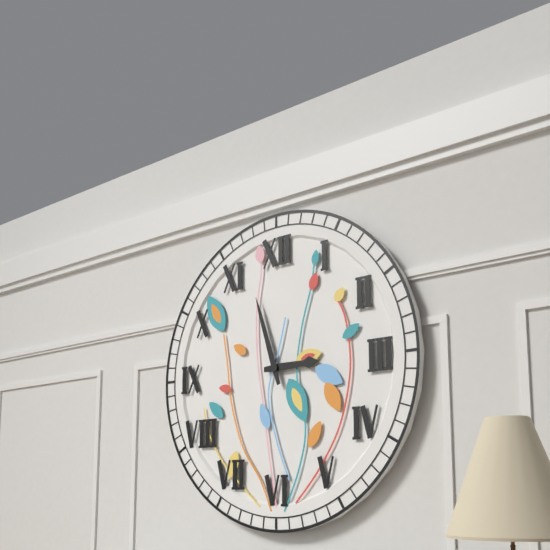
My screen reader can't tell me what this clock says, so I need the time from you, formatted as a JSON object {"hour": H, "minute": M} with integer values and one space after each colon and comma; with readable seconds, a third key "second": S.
{"hour": 2, "minute": 57}
